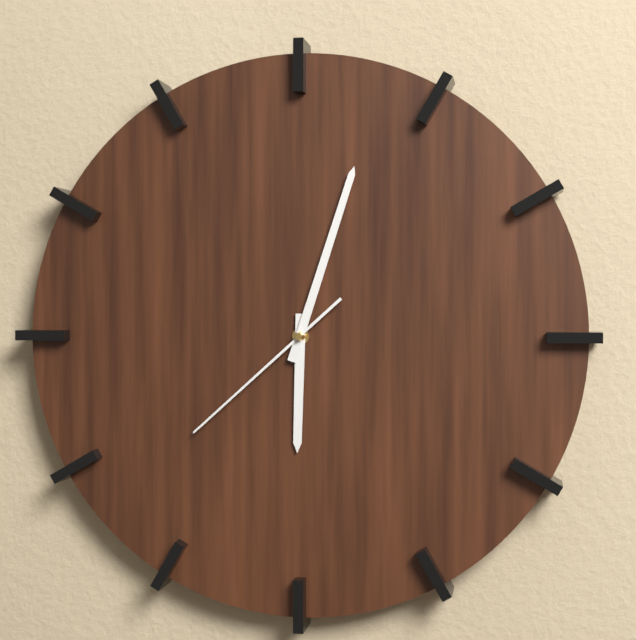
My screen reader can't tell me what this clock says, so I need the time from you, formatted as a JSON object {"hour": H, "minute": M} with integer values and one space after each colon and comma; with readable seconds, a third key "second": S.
{"hour": 6, "minute": 3, "second": 38}
